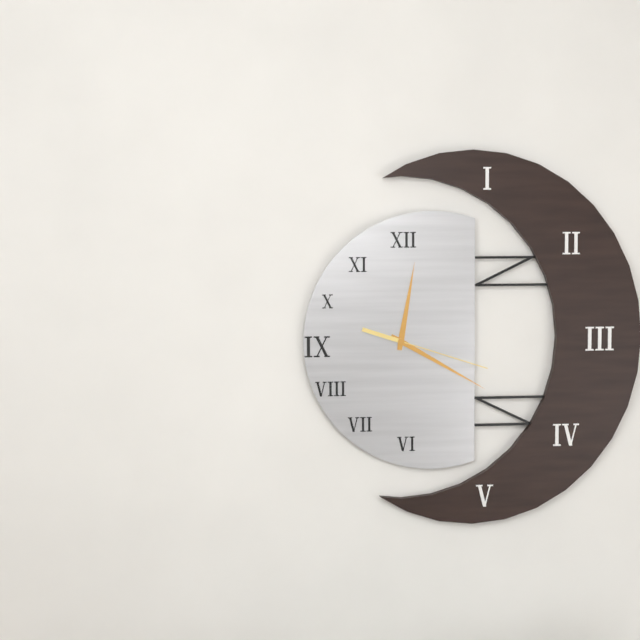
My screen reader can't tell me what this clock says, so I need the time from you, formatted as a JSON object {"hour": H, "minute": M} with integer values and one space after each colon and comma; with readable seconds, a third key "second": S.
{"hour": 12, "minute": 20, "second": 18}
